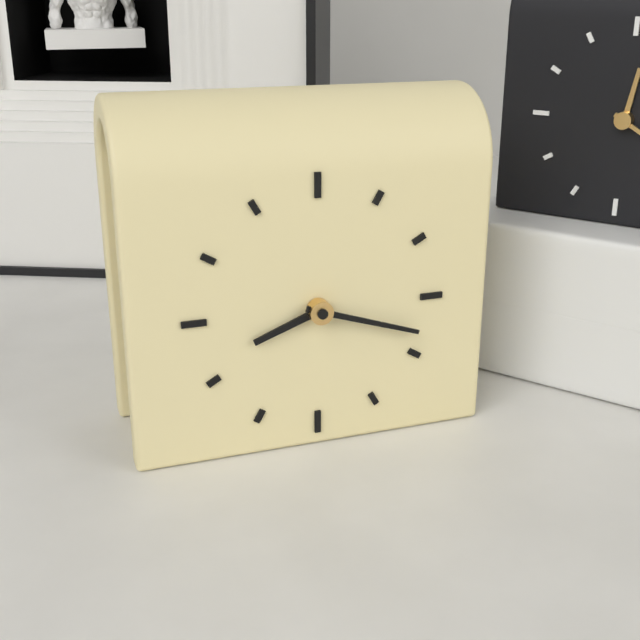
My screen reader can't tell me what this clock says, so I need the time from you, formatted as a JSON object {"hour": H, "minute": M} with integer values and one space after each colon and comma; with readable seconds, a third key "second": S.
{"hour": 8, "minute": 18}
